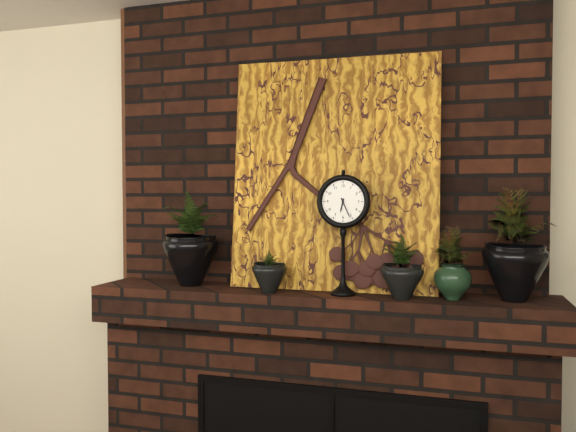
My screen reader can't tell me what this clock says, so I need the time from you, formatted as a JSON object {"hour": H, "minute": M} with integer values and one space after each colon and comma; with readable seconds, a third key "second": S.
{"hour": 6, "minute": 26}
